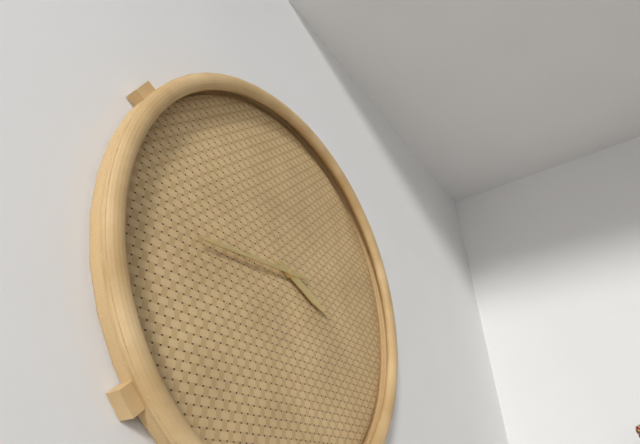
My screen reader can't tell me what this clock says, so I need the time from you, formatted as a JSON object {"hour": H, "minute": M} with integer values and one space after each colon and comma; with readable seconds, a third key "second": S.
{"hour": 3, "minute": 44}
